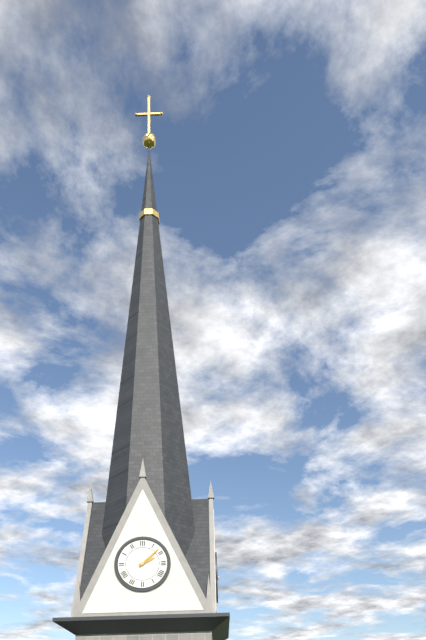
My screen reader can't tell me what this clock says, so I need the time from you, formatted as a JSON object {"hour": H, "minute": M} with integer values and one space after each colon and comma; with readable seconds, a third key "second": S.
{"hour": 2, "minute": 8}
